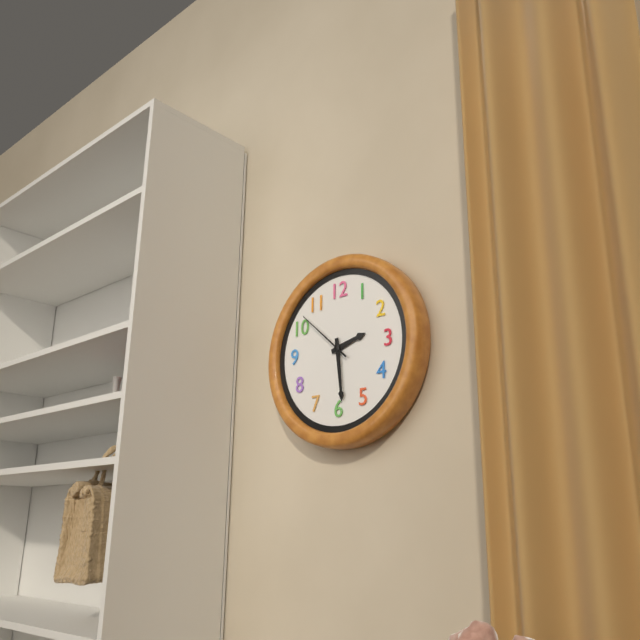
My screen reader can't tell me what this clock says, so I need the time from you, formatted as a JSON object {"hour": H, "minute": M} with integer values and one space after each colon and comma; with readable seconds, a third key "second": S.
{"hour": 2, "minute": 29, "second": 52}
